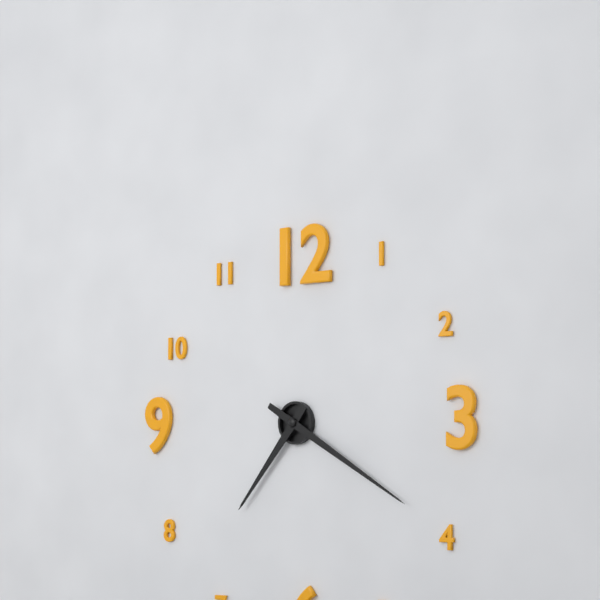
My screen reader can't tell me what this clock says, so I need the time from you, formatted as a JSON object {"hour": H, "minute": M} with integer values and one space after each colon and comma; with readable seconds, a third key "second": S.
{"hour": 7, "minute": 20}
